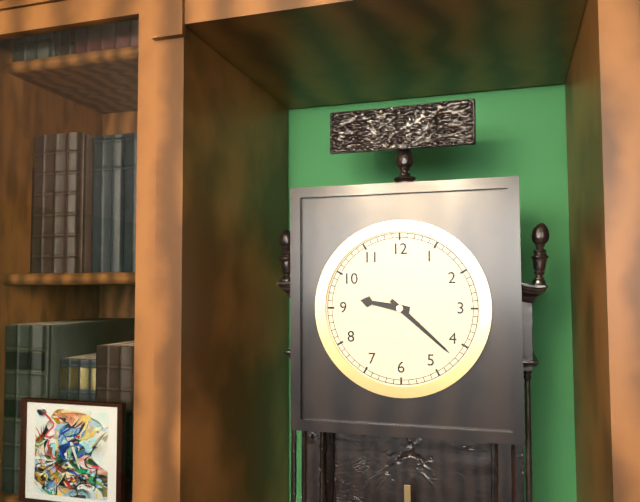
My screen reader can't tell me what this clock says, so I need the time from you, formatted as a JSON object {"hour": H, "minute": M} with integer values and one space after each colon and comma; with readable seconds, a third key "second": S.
{"hour": 9, "minute": 22}
